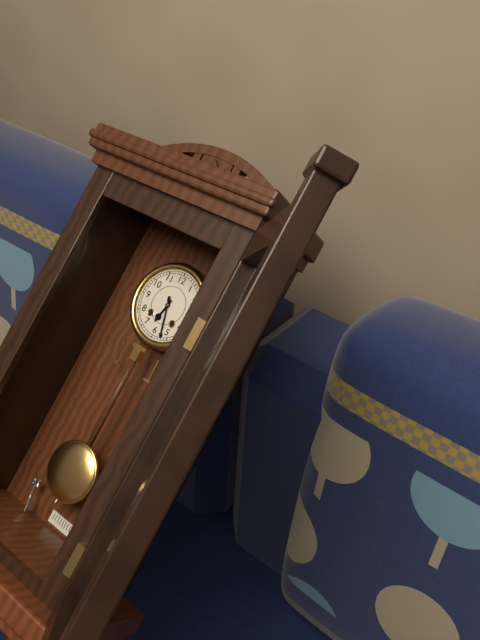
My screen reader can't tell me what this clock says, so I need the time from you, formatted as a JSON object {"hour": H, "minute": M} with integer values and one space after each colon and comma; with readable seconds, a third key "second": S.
{"hour": 6, "minute": 27}
